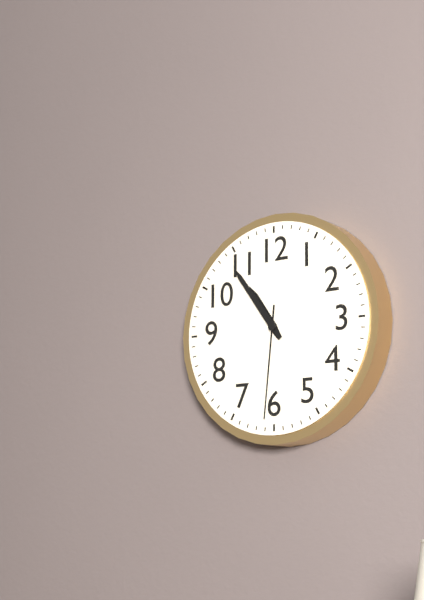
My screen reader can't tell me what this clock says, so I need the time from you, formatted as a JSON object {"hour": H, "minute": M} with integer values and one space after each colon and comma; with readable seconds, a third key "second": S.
{"hour": 10, "minute": 54, "second": 31}
